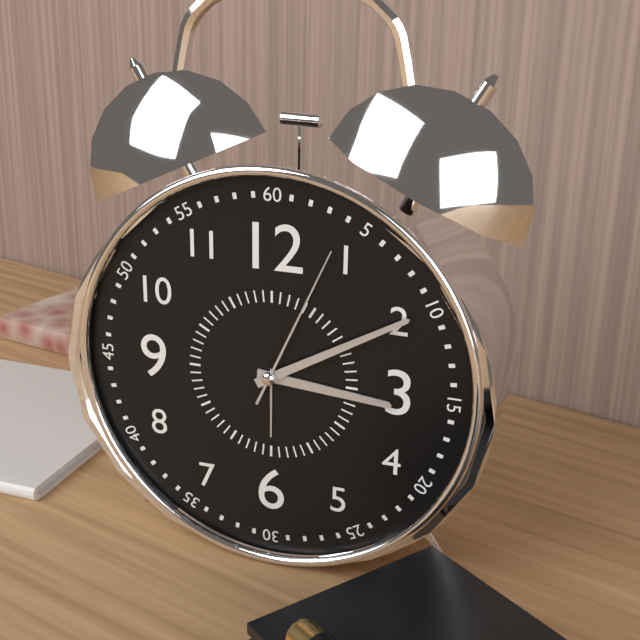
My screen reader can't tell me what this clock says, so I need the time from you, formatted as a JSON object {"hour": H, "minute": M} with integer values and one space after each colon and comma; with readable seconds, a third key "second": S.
{"hour": 3, "minute": 10, "second": 4}
